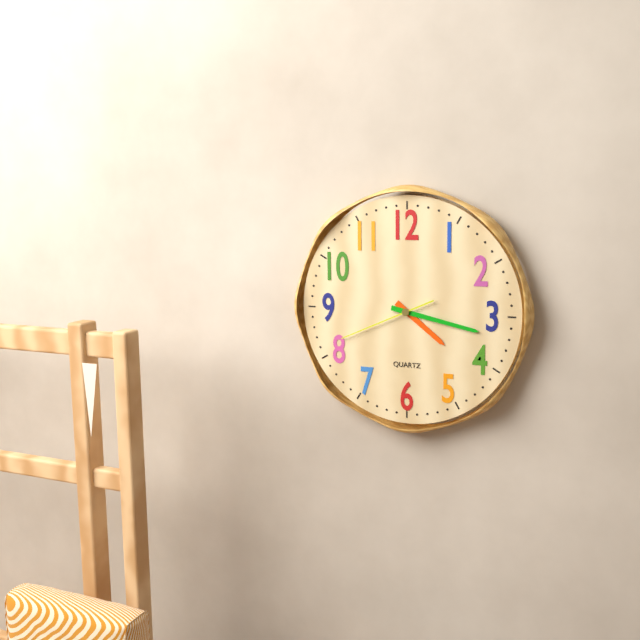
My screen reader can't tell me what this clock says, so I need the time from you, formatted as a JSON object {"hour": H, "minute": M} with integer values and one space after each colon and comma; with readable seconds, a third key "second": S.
{"hour": 4, "minute": 17, "second": 41}
